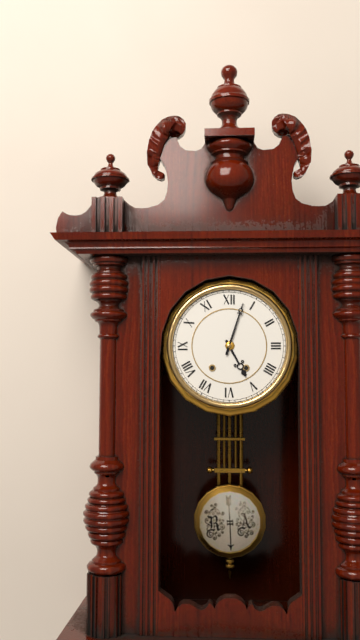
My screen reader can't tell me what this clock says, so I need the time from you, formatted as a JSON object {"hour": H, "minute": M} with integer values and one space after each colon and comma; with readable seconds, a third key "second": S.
{"hour": 5, "minute": 3}
